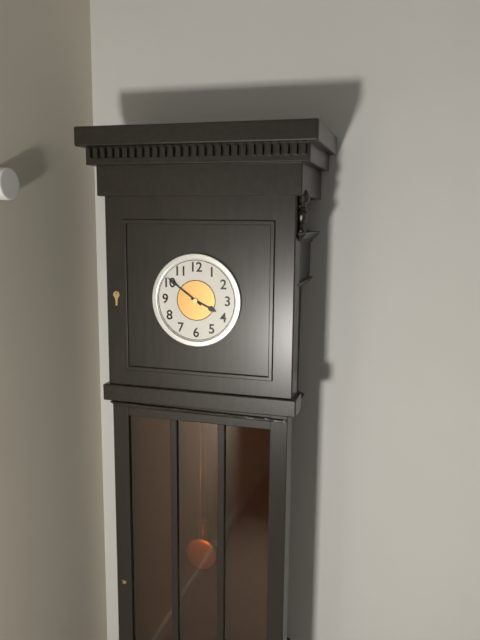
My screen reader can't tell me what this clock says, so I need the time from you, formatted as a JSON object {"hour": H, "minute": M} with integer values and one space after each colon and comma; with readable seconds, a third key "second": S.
{"hour": 3, "minute": 51}
